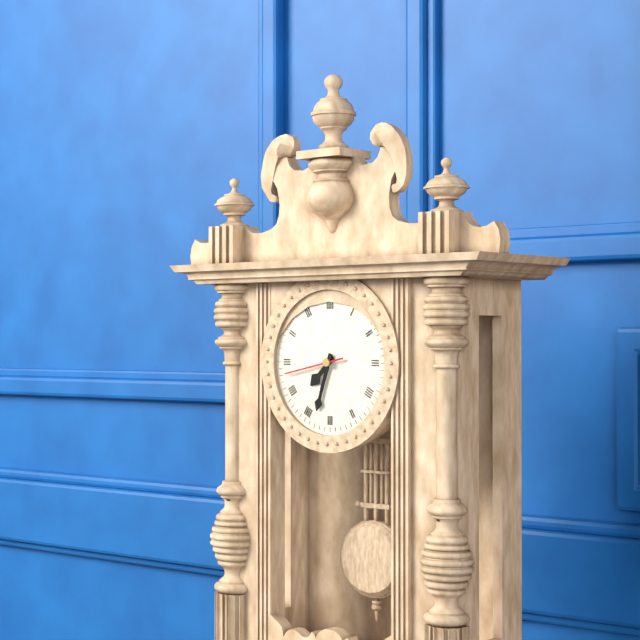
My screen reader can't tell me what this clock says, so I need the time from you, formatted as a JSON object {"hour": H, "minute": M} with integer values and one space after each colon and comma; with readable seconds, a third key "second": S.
{"hour": 7, "minute": 33, "second": 43}
